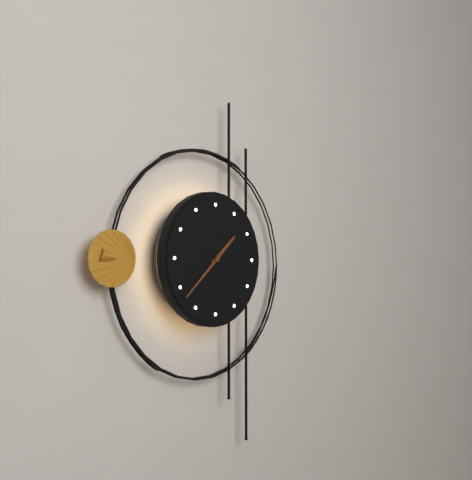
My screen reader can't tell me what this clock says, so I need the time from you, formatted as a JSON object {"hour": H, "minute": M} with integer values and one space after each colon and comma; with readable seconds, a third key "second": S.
{"hour": 1, "minute": 38}
